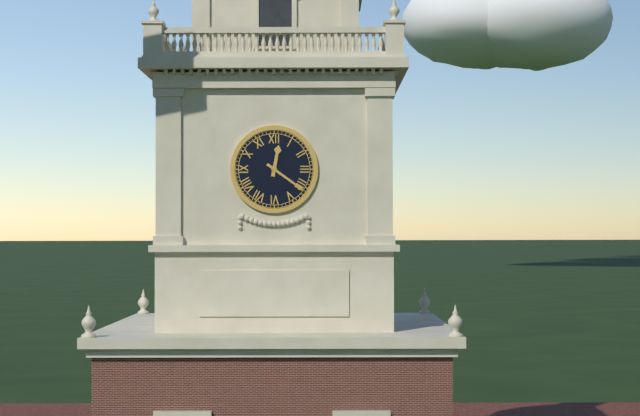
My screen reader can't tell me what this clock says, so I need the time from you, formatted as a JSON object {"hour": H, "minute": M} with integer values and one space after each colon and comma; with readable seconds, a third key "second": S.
{"hour": 12, "minute": 21}
